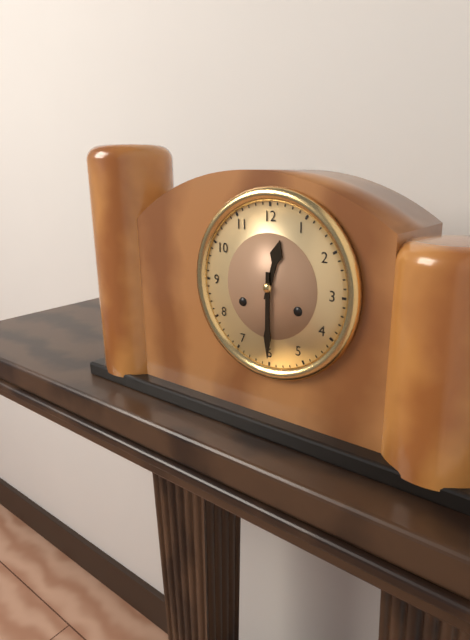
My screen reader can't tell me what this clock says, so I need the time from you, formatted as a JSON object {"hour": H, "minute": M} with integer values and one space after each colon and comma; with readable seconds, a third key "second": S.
{"hour": 12, "minute": 30}
